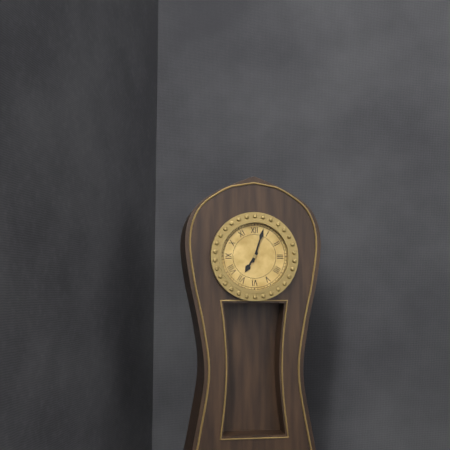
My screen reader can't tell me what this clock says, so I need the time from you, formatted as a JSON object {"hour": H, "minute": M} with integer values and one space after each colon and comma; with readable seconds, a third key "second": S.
{"hour": 7, "minute": 3}
